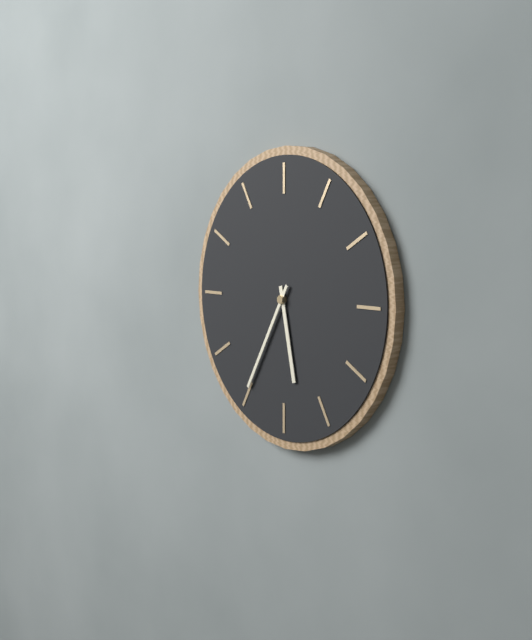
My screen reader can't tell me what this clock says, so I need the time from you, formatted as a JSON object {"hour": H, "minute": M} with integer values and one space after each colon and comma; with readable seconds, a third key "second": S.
{"hour": 5, "minute": 35}
